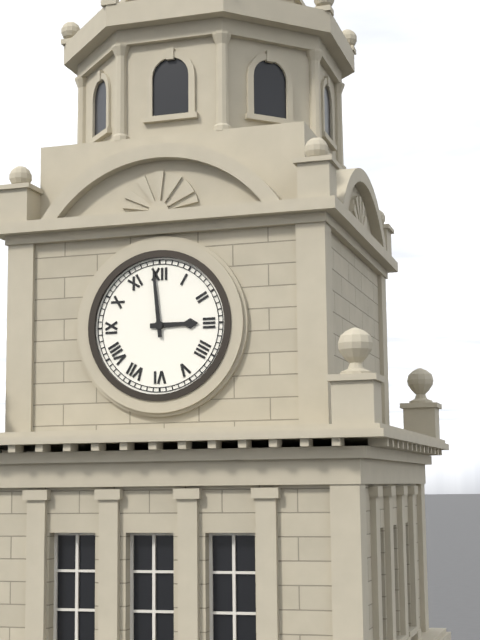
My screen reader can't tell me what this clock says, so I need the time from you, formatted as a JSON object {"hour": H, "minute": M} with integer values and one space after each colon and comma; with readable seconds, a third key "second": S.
{"hour": 2, "minute": 59}
